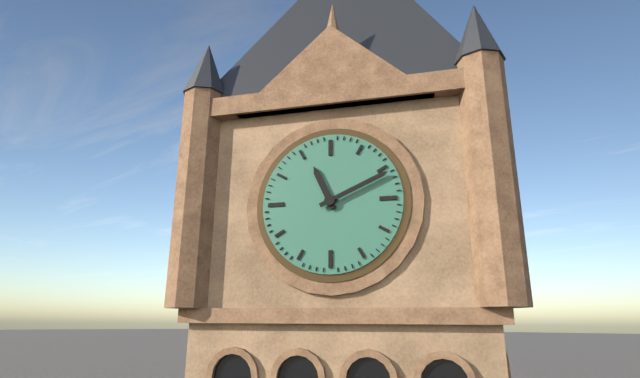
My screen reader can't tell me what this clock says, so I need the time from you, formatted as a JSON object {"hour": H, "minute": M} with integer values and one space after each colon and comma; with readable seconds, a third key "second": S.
{"hour": 11, "minute": 11}
